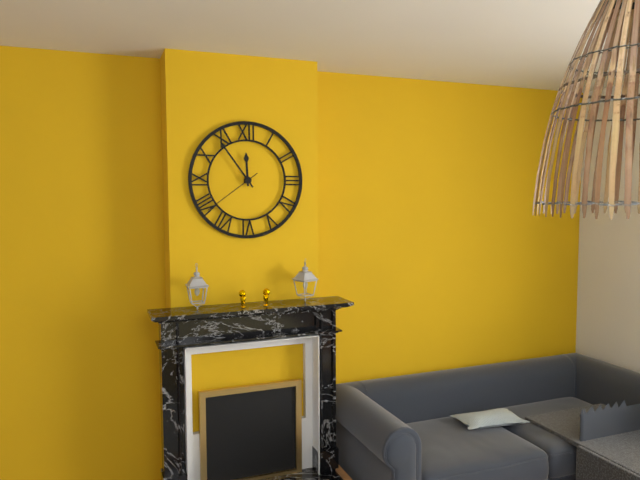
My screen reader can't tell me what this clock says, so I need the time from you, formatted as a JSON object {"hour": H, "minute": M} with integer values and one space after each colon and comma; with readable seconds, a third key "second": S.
{"hour": 11, "minute": 54, "second": 39}
